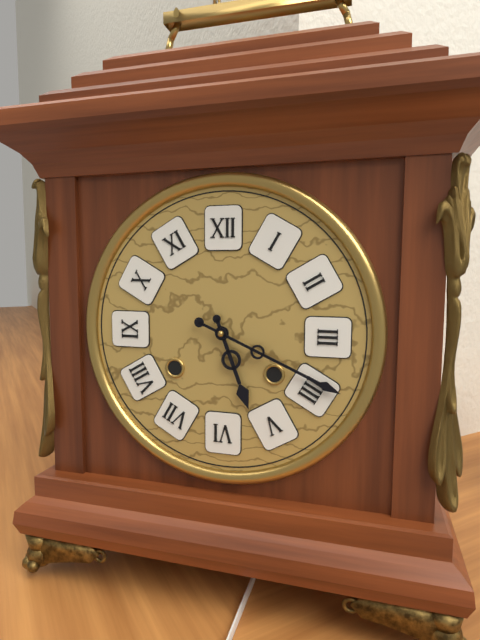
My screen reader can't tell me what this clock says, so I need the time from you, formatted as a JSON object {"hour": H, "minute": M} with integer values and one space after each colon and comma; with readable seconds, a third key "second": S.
{"hour": 5, "minute": 19}
